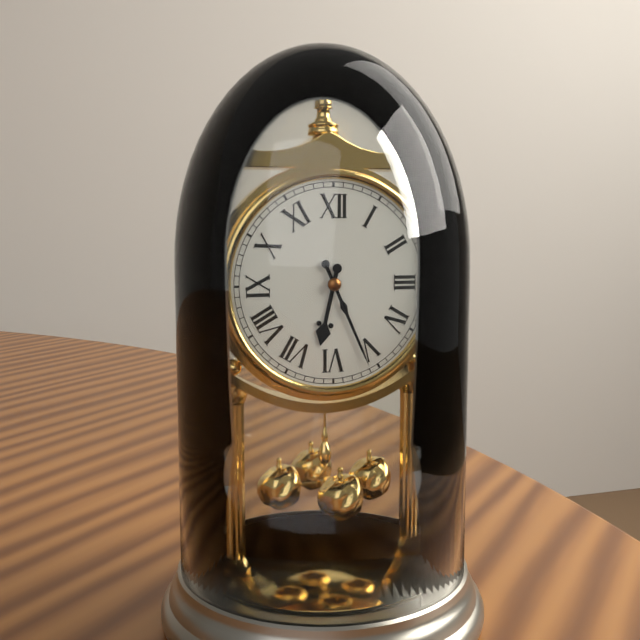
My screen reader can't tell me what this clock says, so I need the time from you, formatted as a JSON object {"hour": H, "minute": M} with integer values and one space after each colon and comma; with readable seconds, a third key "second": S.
{"hour": 6, "minute": 26}
